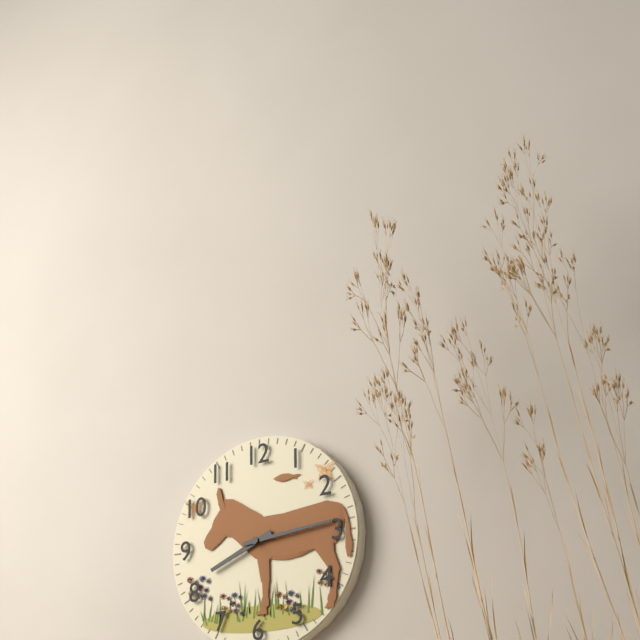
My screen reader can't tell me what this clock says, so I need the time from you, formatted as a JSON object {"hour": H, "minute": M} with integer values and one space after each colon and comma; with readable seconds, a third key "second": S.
{"hour": 8, "minute": 14}
